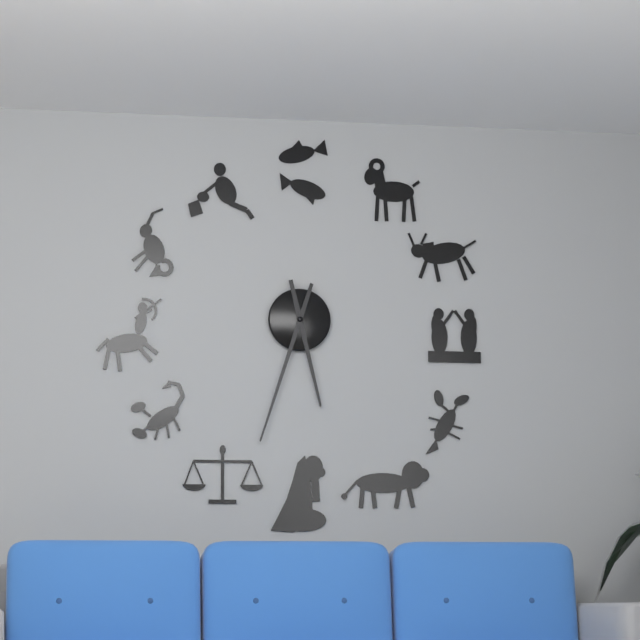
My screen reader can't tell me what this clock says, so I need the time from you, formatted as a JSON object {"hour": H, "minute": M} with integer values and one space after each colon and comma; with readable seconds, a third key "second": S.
{"hour": 5, "minute": 33}
